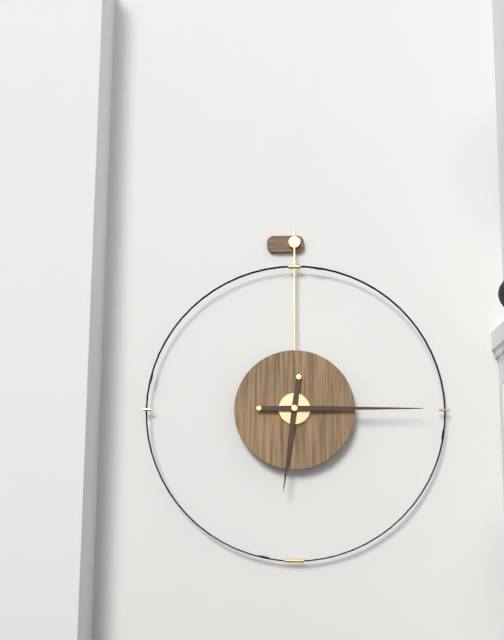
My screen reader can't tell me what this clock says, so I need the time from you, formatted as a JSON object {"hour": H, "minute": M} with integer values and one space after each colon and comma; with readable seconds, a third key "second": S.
{"hour": 6, "minute": 15}
